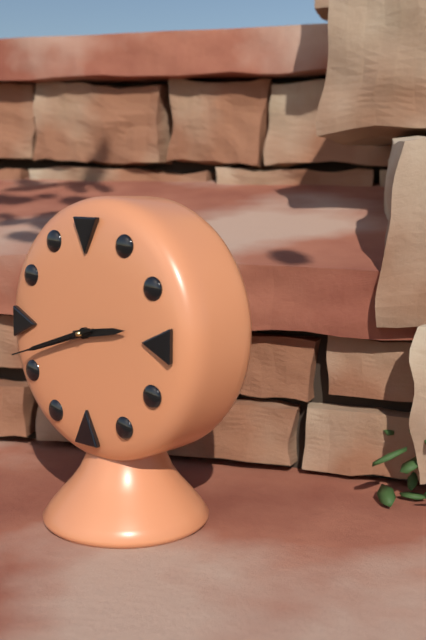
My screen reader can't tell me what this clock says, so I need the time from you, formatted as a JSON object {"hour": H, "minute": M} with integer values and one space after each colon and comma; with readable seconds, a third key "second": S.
{"hour": 2, "minute": 42, "second": 42}
